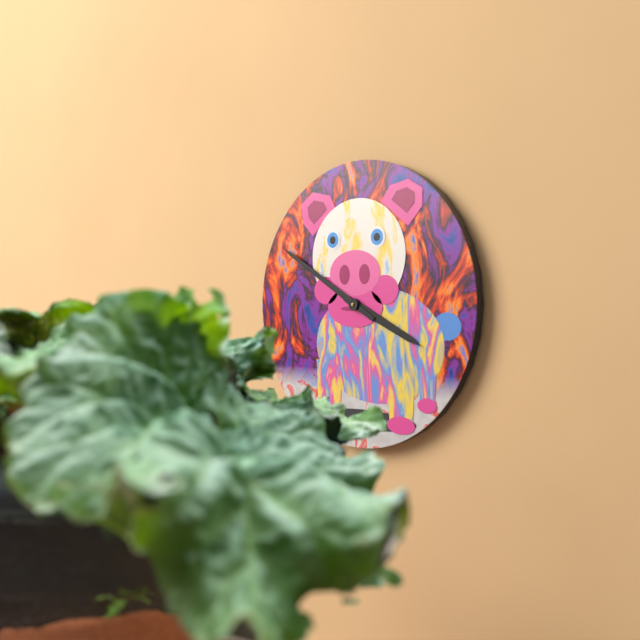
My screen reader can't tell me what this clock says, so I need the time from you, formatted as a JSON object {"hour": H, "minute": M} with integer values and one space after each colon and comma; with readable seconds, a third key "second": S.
{"hour": 3, "minute": 50}
